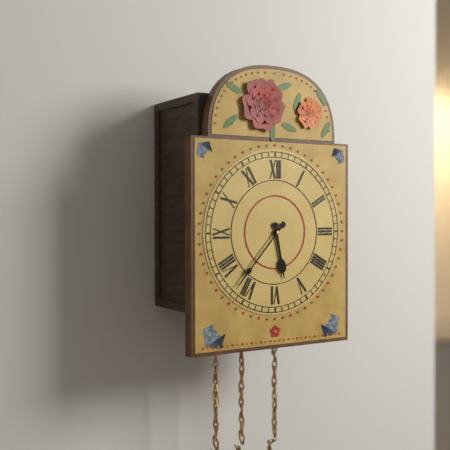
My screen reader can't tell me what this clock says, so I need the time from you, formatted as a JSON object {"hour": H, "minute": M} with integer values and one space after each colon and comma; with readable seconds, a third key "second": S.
{"hour": 5, "minute": 37}
